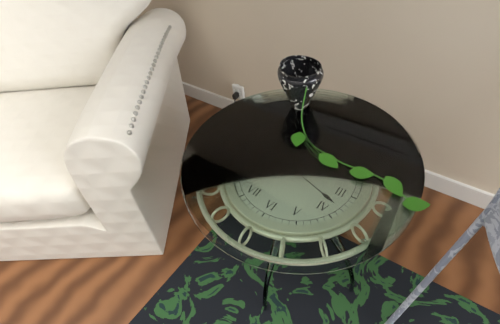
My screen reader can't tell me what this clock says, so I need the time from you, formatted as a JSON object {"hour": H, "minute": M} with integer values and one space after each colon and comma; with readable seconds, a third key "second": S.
{"hour": 9, "minute": 18}
